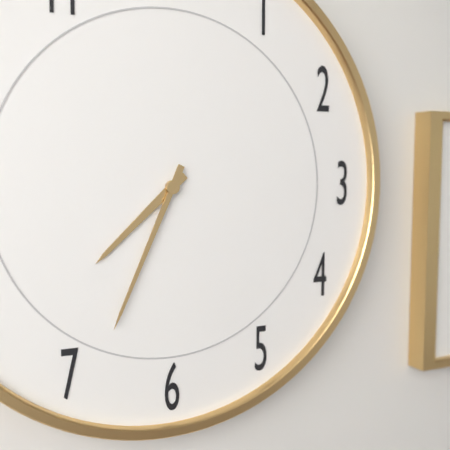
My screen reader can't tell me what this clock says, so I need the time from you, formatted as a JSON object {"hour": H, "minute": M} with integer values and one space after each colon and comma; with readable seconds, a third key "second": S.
{"hour": 7, "minute": 34}
